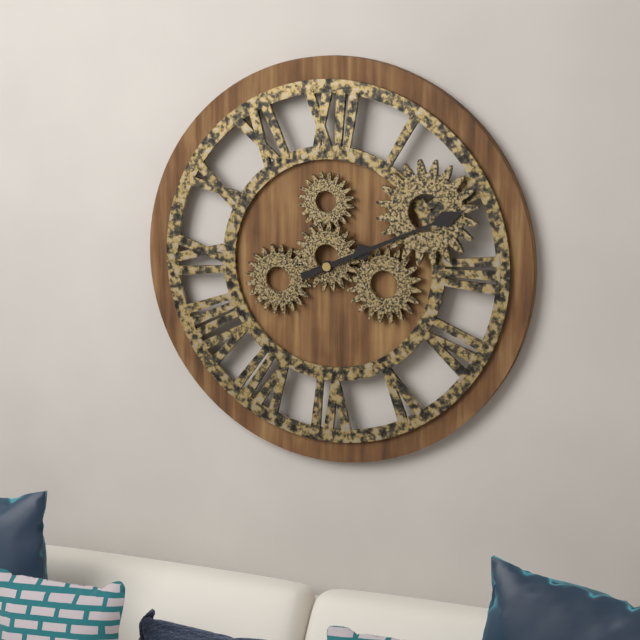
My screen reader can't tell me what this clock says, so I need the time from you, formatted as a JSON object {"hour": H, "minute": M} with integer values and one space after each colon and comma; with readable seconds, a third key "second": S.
{"hour": 2, "minute": 11}
